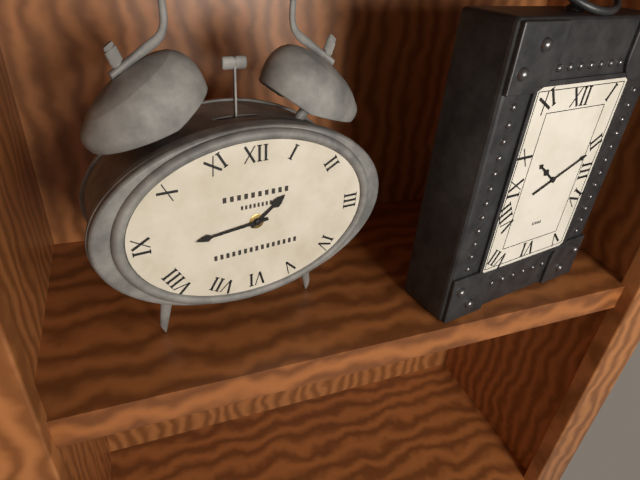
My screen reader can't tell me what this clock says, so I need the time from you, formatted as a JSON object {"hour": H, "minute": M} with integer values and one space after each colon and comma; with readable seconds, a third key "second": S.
{"hour": 1, "minute": 44}
